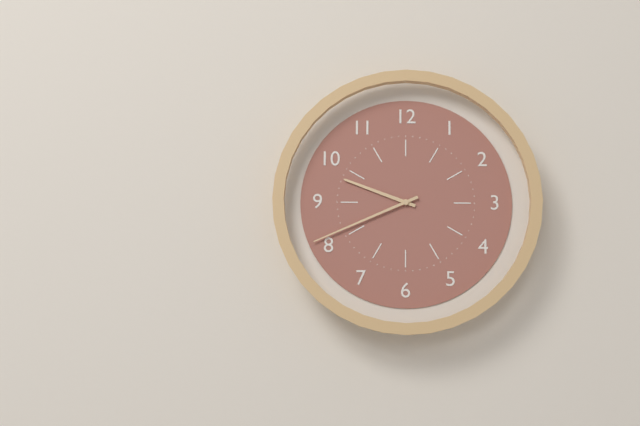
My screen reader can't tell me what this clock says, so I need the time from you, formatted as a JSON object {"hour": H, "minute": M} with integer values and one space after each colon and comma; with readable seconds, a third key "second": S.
{"hour": 9, "minute": 41}
